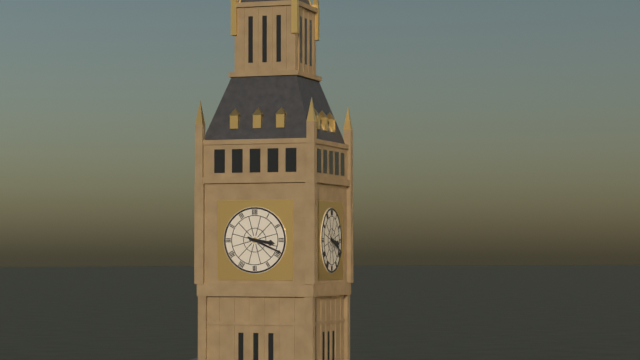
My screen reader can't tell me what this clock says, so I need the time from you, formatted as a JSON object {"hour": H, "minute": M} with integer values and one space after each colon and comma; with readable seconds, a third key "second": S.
{"hour": 3, "minute": 19}
